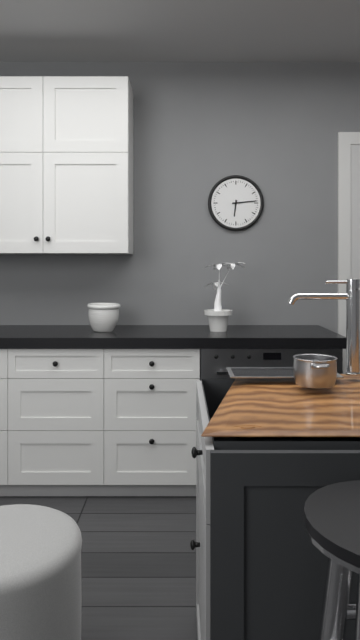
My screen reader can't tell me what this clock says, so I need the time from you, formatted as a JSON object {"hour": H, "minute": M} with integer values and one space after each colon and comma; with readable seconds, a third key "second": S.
{"hour": 6, "minute": 14}
